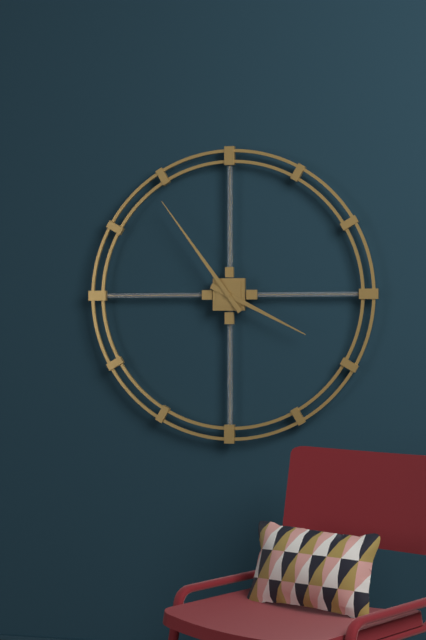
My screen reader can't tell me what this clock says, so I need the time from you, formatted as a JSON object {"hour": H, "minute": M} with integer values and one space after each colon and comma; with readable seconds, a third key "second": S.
{"hour": 3, "minute": 54}
